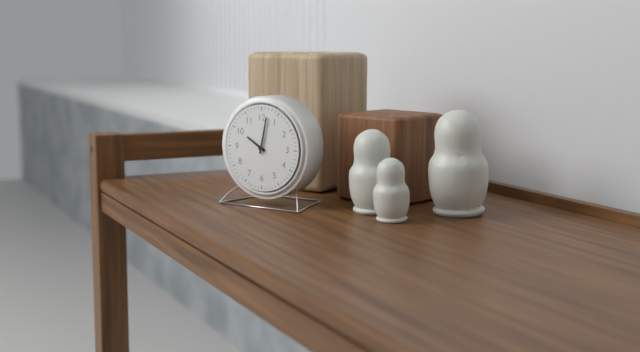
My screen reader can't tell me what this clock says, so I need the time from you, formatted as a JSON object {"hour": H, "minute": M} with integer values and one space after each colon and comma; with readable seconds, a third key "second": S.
{"hour": 10, "minute": 2}
